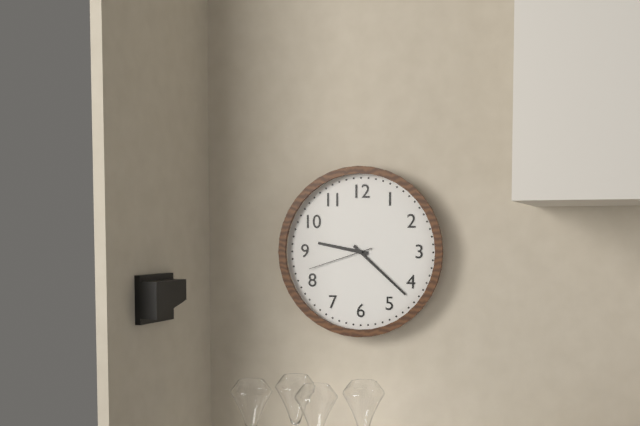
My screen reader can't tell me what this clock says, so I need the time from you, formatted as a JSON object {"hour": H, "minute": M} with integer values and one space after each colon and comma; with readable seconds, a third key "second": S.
{"hour": 9, "minute": 22, "second": 42}
